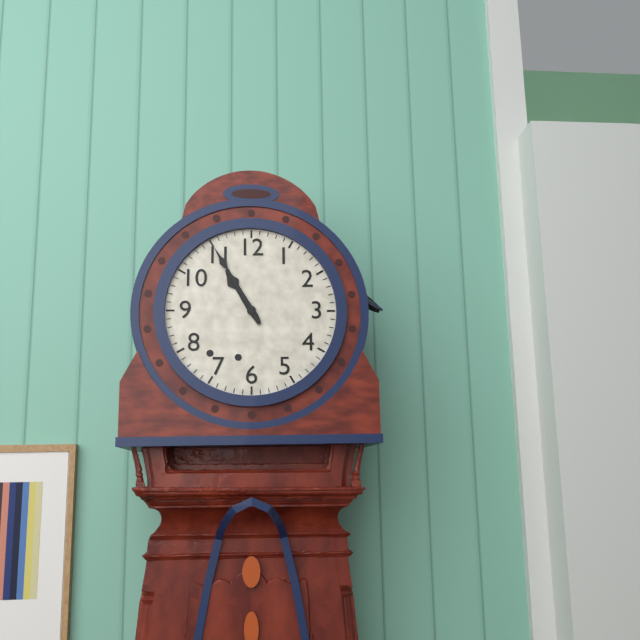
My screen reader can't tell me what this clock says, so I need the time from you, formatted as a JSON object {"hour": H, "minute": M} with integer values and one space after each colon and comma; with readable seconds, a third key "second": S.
{"hour": 10, "minute": 55}
